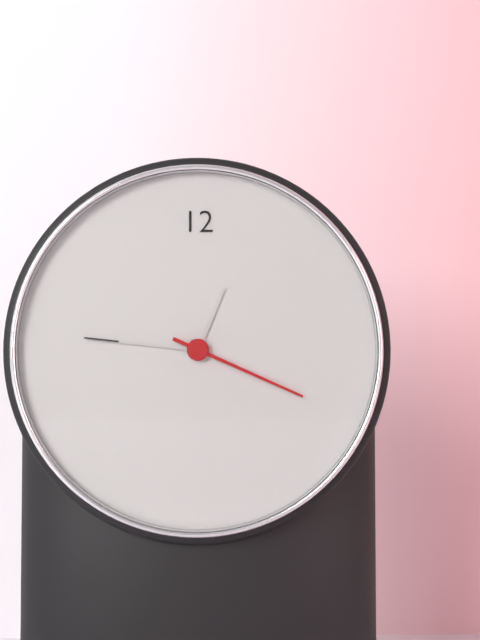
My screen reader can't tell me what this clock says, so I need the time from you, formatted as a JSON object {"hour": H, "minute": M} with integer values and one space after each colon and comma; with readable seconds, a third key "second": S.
{"hour": 12, "minute": 46, "second": 19}
